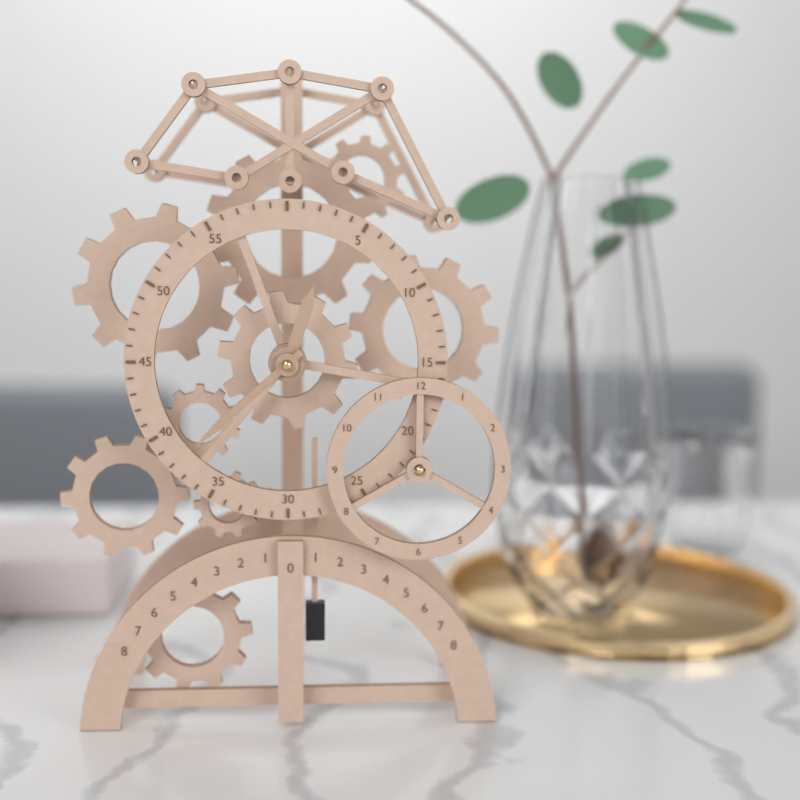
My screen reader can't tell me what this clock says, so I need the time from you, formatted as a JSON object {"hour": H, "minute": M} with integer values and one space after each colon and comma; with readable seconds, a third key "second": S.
{"hour": 12, "minute": 38}
